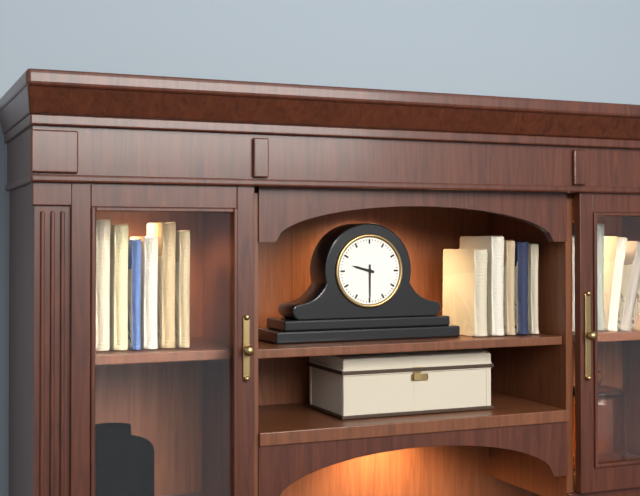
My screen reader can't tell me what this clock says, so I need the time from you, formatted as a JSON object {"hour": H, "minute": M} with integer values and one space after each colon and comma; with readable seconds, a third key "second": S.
{"hour": 9, "minute": 30}
